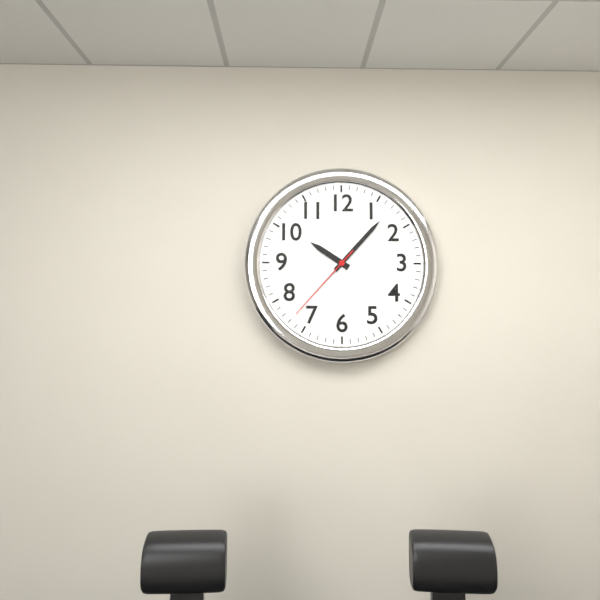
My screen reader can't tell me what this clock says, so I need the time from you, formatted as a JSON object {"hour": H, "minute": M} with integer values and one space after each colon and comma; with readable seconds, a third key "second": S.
{"hour": 10, "minute": 7, "second": 37}
